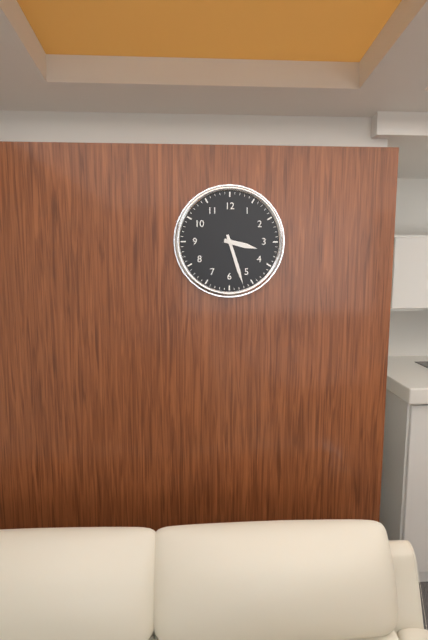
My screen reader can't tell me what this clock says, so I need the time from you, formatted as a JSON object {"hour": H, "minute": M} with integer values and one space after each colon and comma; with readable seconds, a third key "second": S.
{"hour": 3, "minute": 27}
